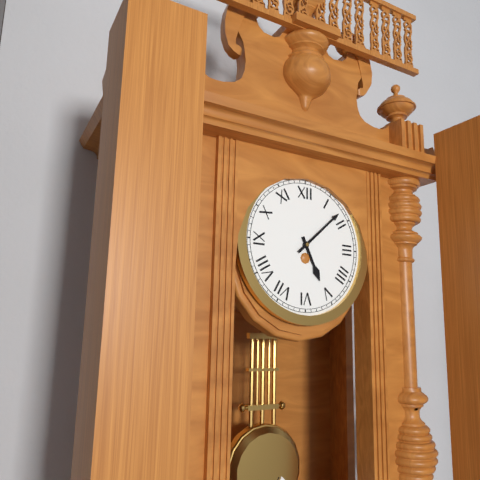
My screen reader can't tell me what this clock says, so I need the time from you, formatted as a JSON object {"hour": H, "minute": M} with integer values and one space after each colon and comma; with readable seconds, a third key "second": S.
{"hour": 5, "minute": 8}
